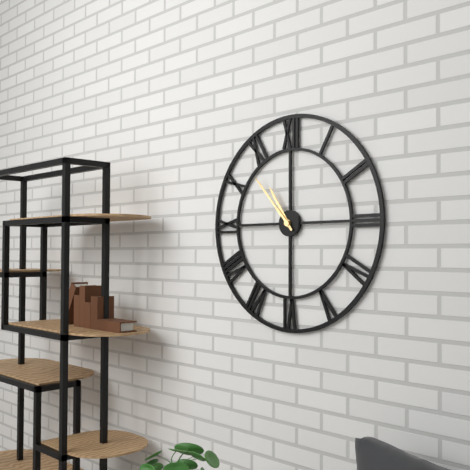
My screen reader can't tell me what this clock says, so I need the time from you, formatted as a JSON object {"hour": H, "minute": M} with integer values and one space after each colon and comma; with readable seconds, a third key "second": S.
{"hour": 10, "minute": 53}
